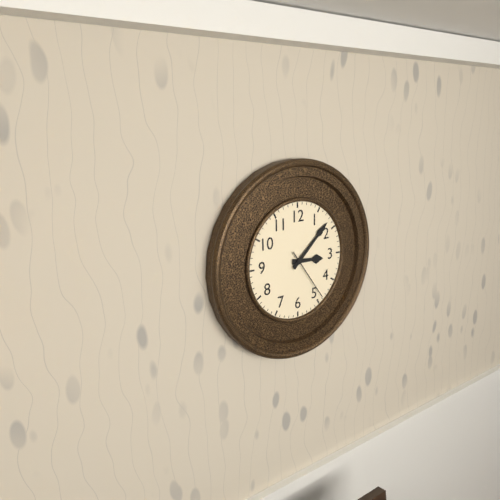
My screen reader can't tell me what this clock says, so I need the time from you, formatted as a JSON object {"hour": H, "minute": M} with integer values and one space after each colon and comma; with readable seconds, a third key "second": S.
{"hour": 3, "minute": 8, "second": 24}
